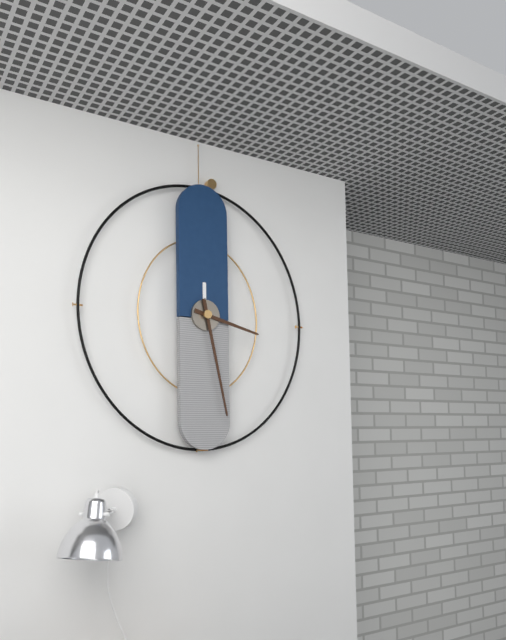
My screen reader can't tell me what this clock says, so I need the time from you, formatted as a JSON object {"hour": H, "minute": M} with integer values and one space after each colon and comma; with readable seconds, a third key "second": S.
{"hour": 3, "minute": 28}
